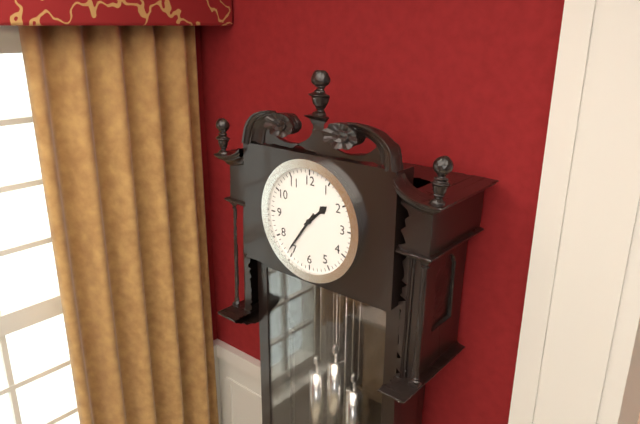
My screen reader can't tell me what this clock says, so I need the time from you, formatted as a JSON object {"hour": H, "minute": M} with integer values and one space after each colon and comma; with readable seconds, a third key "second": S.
{"hour": 1, "minute": 36}
